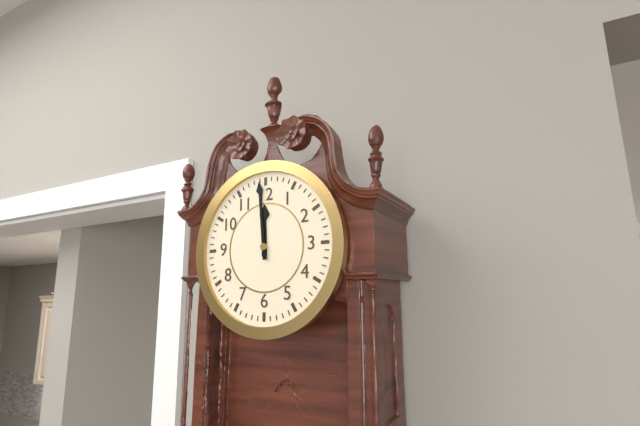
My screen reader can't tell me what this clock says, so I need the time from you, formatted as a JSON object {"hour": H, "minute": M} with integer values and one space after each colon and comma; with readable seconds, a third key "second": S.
{"hour": 11, "minute": 59}
